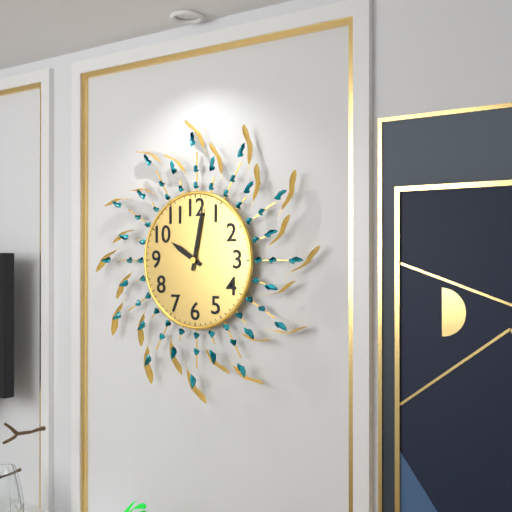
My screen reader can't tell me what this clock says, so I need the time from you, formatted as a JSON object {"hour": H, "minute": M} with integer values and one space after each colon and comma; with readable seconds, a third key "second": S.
{"hour": 10, "minute": 2}
